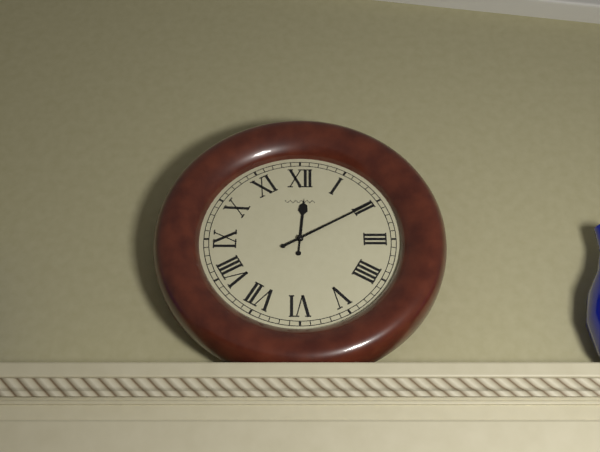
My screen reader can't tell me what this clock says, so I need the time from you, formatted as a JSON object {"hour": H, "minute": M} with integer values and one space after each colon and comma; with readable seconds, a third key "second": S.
{"hour": 12, "minute": 10}
